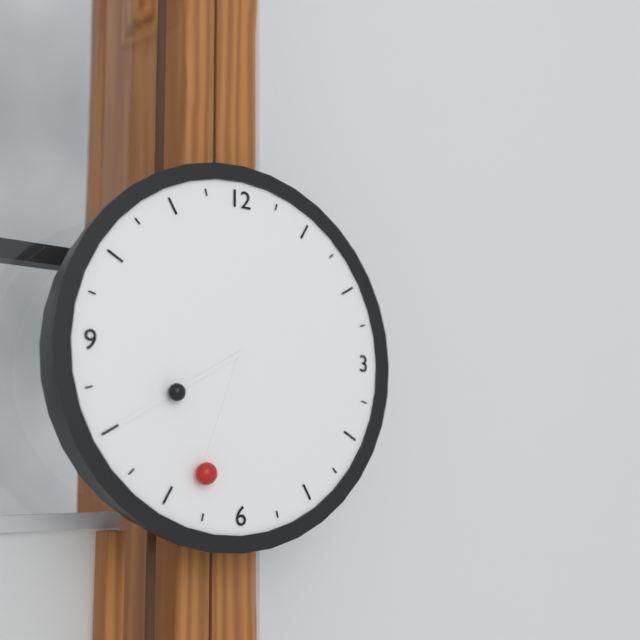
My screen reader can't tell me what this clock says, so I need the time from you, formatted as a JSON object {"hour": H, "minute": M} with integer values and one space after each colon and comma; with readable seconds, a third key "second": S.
{"hour": 6, "minute": 40}
